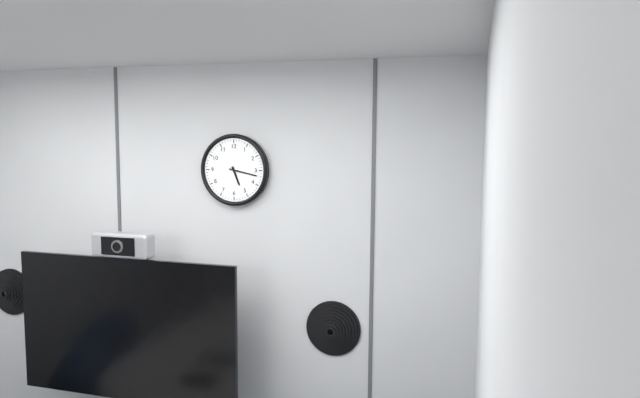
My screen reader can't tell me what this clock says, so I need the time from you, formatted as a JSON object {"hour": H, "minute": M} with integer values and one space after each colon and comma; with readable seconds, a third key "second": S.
{"hour": 5, "minute": 17}
